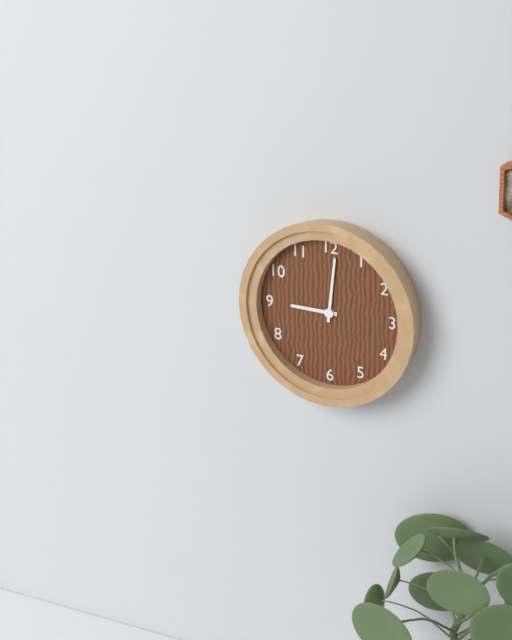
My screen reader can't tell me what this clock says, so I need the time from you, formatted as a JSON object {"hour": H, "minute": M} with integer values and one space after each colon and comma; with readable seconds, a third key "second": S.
{"hour": 9, "minute": 1}
